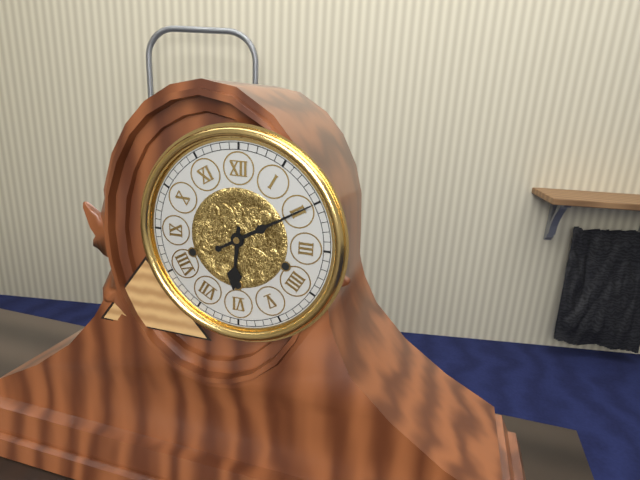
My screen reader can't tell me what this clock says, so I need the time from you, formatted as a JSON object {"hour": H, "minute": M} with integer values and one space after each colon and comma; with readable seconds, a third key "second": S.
{"hour": 6, "minute": 10}
